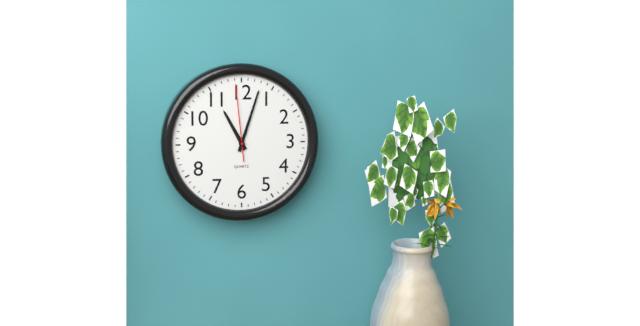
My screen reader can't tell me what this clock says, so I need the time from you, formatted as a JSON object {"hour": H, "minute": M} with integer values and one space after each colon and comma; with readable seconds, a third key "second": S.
{"hour": 11, "minute": 3, "second": 59}
